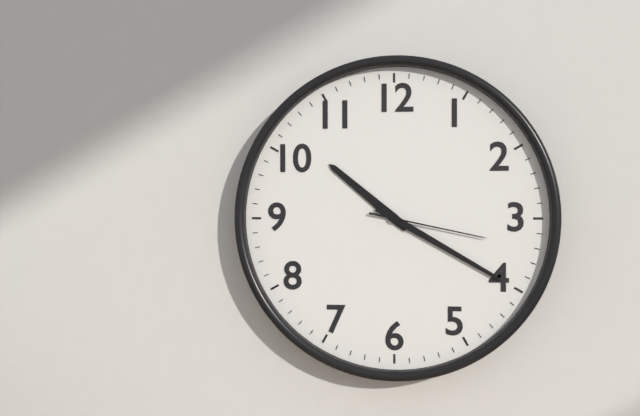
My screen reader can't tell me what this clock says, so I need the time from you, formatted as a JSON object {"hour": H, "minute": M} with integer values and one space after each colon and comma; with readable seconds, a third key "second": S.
{"hour": 10, "minute": 20, "second": 17}
